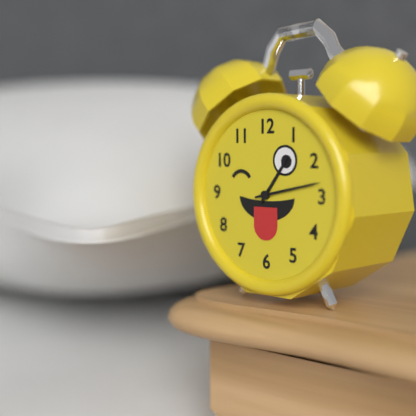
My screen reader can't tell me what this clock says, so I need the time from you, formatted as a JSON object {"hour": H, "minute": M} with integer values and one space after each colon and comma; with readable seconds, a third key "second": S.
{"hour": 1, "minute": 13}
